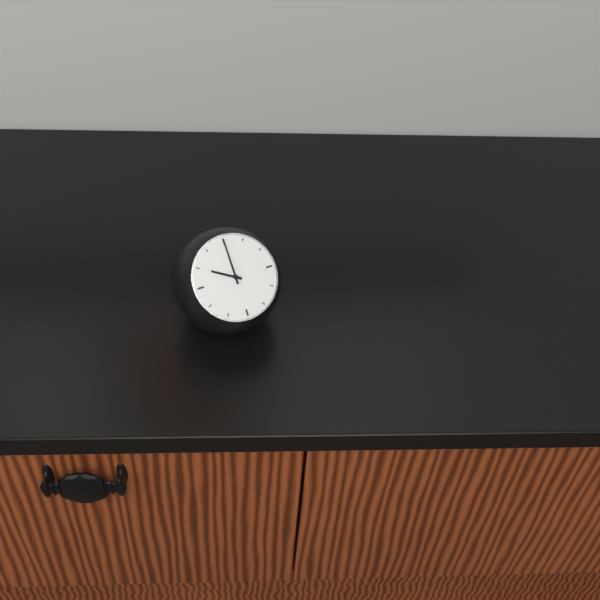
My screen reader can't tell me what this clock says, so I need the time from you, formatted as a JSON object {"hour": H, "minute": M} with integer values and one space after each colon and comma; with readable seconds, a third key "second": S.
{"hour": 10, "minute": 0}
